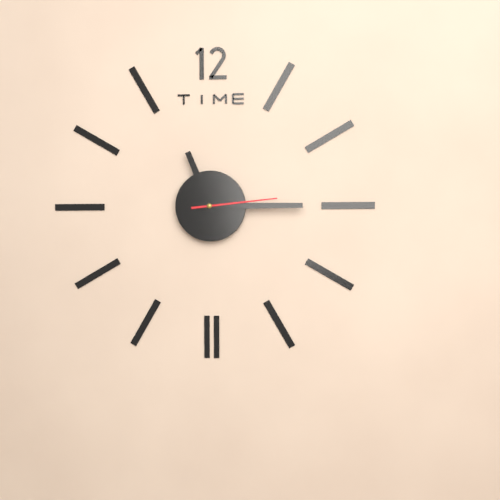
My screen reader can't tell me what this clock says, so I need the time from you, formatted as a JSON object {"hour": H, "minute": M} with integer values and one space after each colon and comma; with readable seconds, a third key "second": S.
{"hour": 11, "minute": 15, "second": 14}
